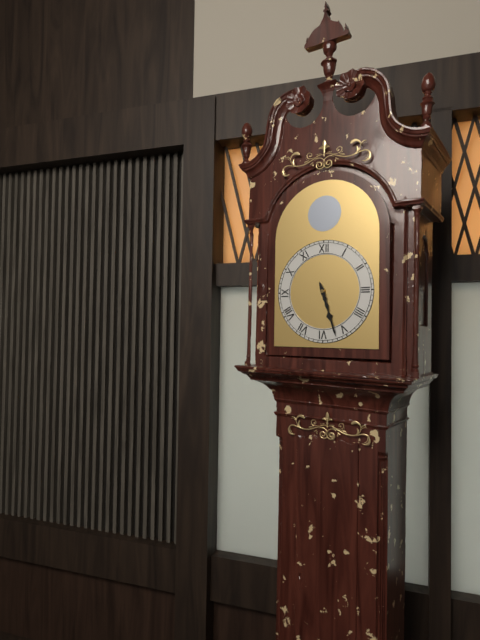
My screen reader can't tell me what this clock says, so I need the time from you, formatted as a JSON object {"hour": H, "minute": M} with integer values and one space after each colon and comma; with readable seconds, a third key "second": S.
{"hour": 5, "minute": 27}
